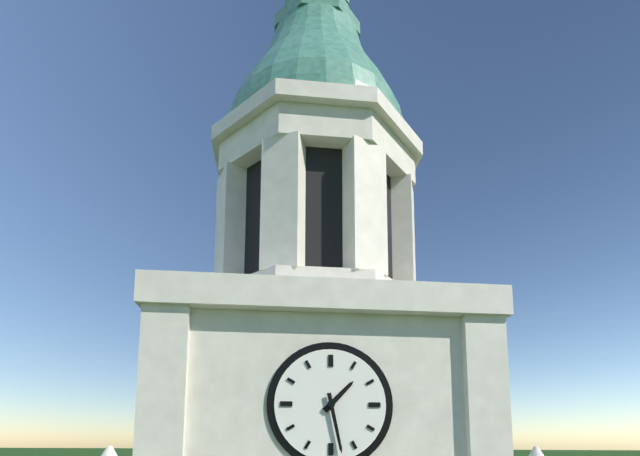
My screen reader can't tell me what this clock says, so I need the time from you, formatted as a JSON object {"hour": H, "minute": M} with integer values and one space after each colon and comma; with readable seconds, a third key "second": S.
{"hour": 1, "minute": 28}
